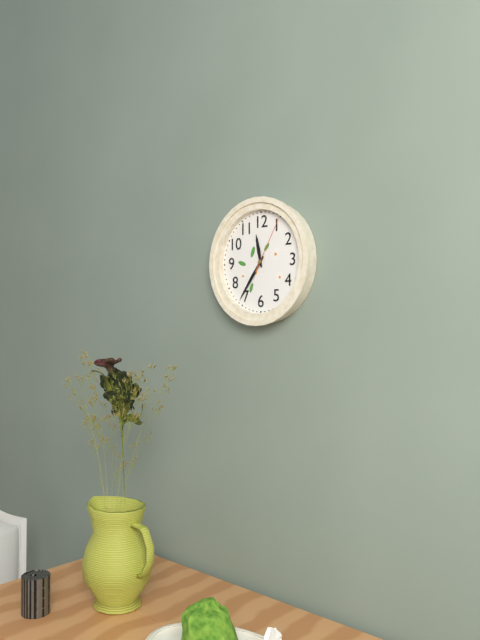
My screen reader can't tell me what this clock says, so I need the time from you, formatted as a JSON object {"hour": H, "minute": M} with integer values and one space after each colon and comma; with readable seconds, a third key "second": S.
{"hour": 11, "minute": 36, "second": 5}
